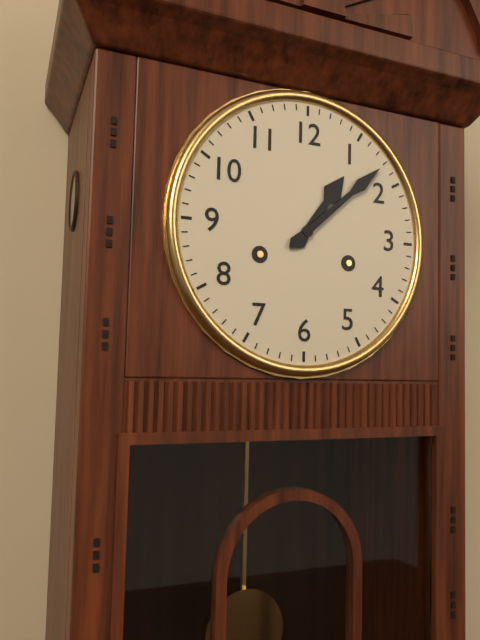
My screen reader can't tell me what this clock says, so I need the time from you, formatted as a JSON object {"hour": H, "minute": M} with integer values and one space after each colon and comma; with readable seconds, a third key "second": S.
{"hour": 1, "minute": 8}
